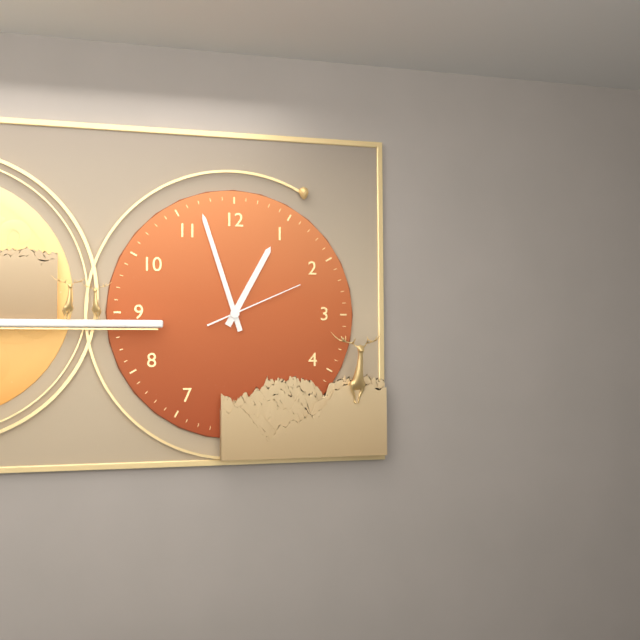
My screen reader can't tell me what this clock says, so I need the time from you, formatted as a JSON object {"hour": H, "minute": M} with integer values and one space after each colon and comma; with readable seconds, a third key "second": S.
{"hour": 12, "minute": 57, "second": 11}
